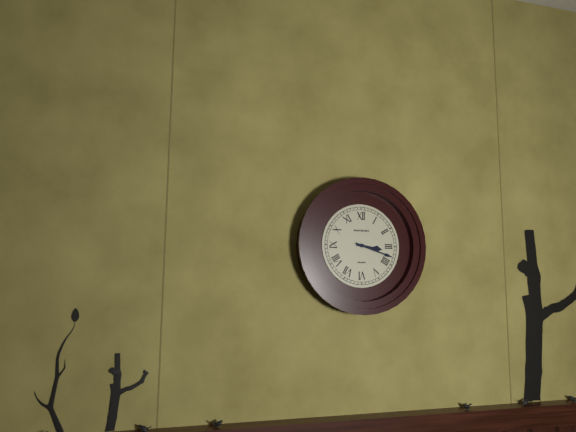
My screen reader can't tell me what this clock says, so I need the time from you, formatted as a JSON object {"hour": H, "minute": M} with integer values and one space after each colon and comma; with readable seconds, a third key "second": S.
{"hour": 3, "minute": 18}
